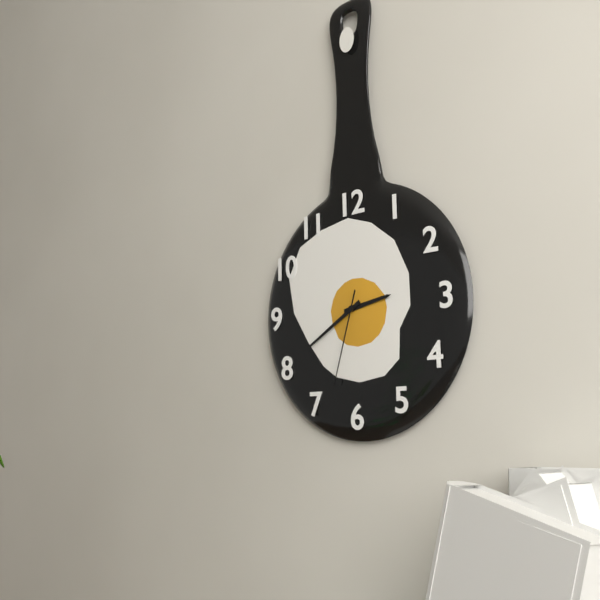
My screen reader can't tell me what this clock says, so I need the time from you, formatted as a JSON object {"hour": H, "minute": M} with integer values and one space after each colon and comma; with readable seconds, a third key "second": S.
{"hour": 2, "minute": 40, "second": 33}
